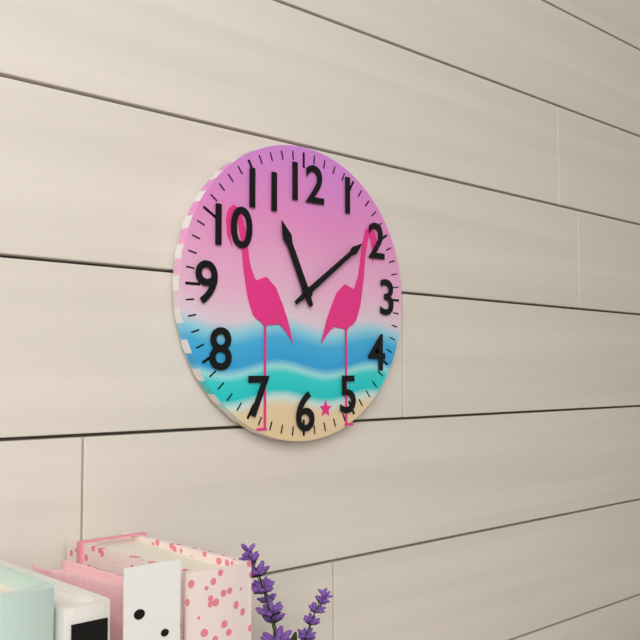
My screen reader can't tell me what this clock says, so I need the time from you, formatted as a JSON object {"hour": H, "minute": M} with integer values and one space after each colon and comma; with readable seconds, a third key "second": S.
{"hour": 11, "minute": 9}
